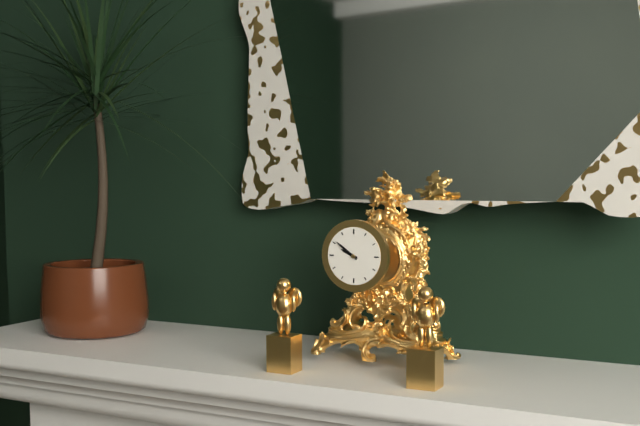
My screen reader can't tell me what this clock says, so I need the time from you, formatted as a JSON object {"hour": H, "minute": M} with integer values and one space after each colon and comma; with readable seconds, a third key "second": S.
{"hour": 9, "minute": 51}
